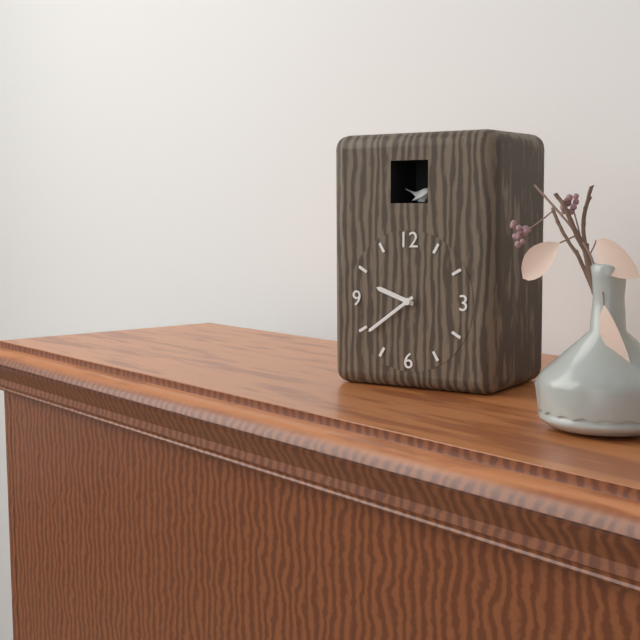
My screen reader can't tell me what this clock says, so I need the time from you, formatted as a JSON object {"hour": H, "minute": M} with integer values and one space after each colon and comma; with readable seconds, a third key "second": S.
{"hour": 9, "minute": 39}
